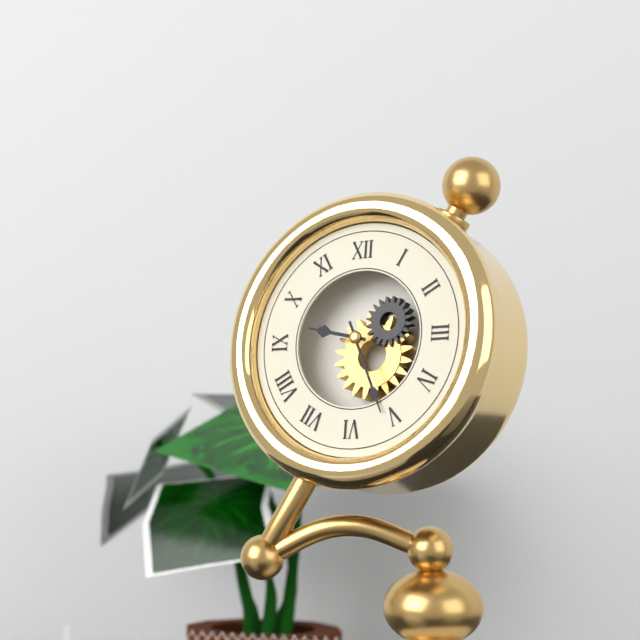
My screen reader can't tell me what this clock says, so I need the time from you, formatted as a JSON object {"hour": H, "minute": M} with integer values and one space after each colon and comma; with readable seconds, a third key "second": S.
{"hour": 9, "minute": 26}
